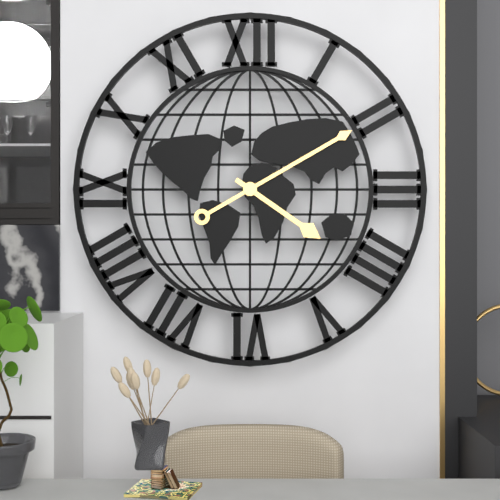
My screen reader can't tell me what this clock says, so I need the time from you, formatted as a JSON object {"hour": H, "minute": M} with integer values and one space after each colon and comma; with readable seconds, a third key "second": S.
{"hour": 4, "minute": 10}
